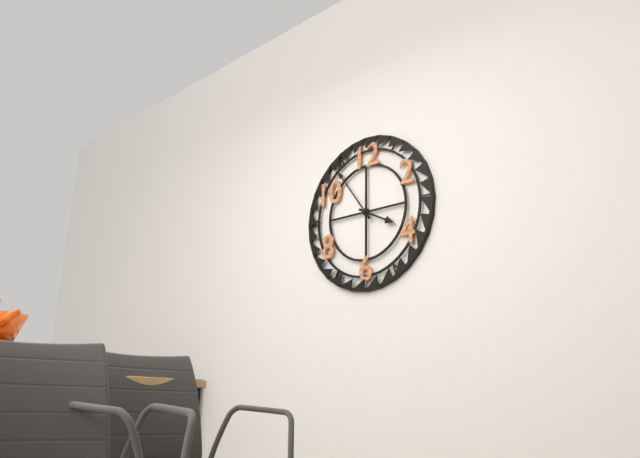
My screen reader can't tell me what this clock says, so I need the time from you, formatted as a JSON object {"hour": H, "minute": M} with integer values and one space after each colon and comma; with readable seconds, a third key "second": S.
{"hour": 3, "minute": 54}
